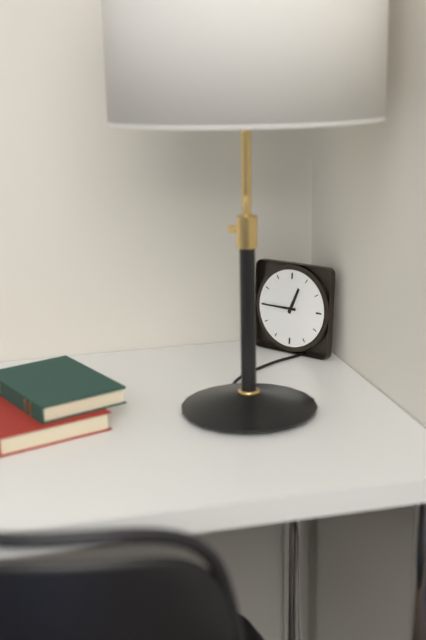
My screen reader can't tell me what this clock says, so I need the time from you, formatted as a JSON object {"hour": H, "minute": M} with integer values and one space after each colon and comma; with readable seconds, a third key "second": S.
{"hour": 12, "minute": 45}
